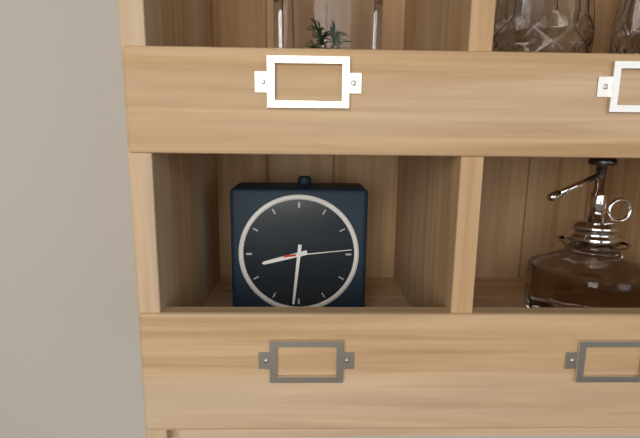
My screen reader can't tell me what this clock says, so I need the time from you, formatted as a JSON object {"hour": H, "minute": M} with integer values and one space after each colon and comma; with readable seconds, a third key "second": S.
{"hour": 8, "minute": 31, "second": 14}
